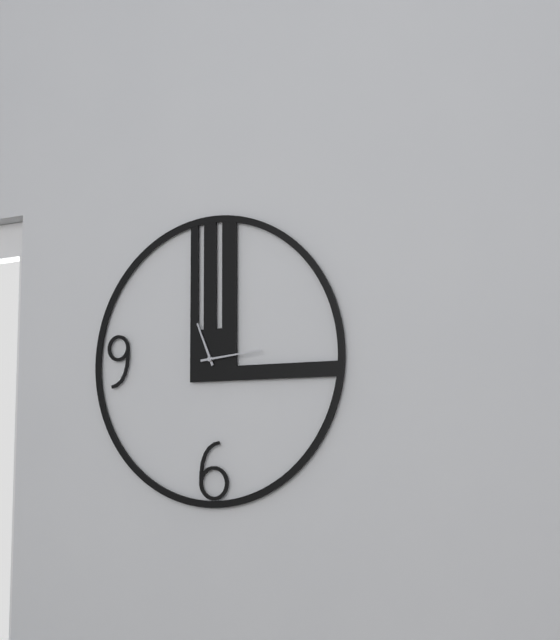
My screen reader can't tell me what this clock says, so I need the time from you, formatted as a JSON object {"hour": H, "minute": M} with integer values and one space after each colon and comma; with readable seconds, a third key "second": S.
{"hour": 11, "minute": 14}
